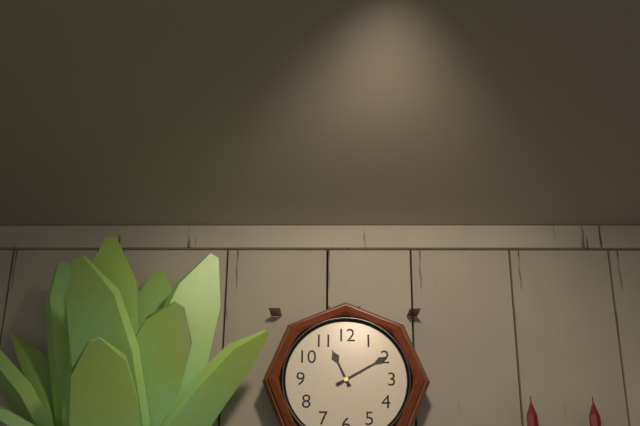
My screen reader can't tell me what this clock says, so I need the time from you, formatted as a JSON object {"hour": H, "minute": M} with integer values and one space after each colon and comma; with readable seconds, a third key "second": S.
{"hour": 11, "minute": 10}
